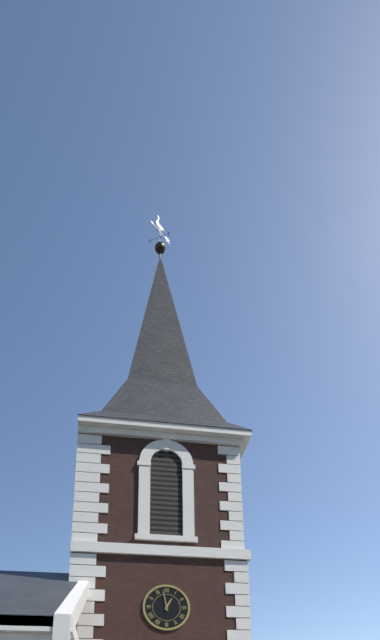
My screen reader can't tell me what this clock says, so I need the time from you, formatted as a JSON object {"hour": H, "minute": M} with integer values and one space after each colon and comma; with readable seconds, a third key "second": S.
{"hour": 12, "minute": 58}
